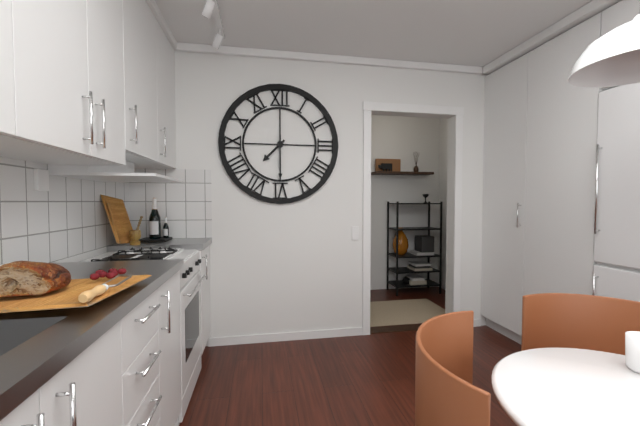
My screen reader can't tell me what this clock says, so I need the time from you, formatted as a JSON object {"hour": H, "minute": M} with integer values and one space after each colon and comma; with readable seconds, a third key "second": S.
{"hour": 7, "minute": 30}
